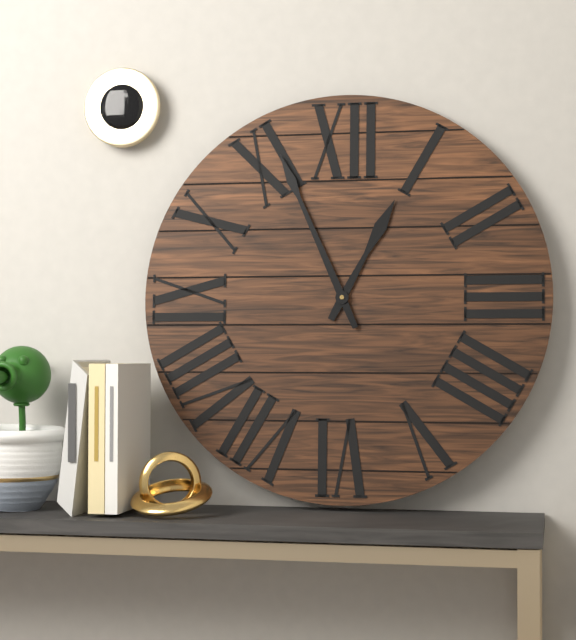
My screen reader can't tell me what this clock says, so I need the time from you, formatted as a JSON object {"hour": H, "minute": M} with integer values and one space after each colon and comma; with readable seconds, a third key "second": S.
{"hour": 12, "minute": 56}
